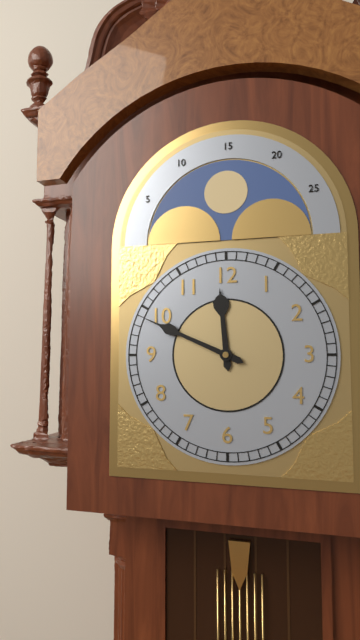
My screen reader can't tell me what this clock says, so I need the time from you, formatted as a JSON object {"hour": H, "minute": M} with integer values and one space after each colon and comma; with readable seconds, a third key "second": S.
{"hour": 11, "minute": 49}
